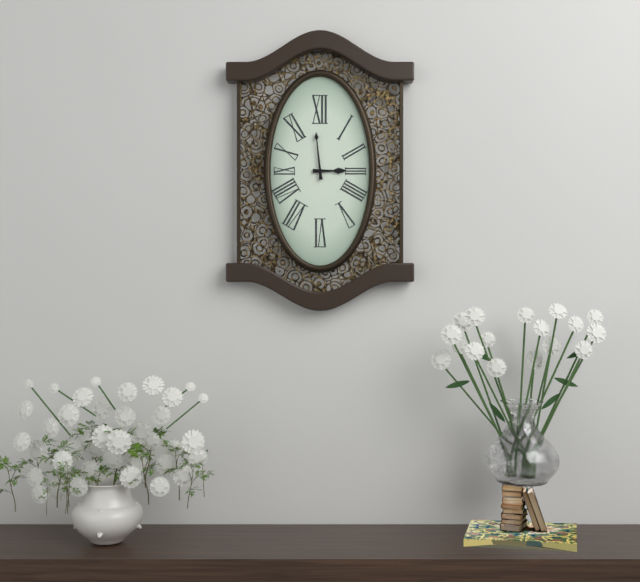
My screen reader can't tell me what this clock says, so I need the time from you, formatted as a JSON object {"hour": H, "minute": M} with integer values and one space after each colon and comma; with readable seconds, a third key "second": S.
{"hour": 2, "minute": 59}
